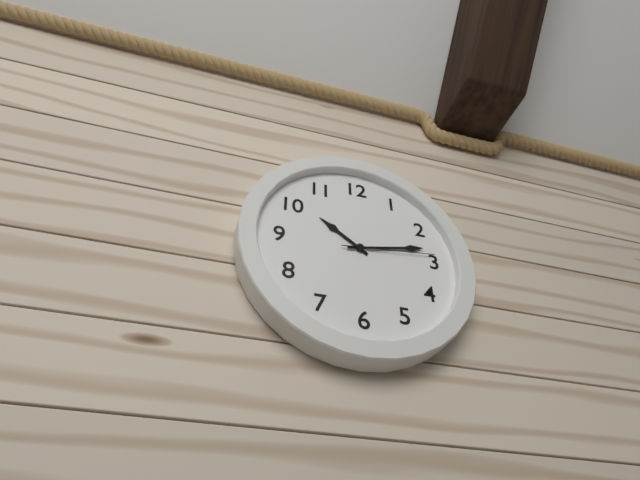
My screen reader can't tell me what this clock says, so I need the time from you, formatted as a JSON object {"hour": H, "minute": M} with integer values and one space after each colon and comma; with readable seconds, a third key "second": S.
{"hour": 10, "minute": 13, "second": 14}
